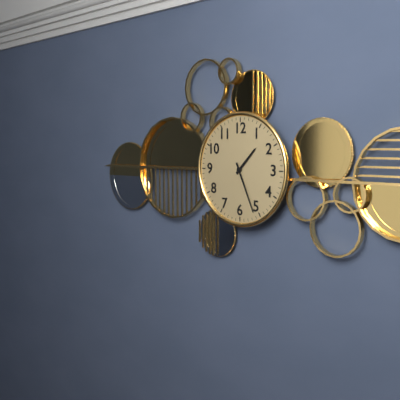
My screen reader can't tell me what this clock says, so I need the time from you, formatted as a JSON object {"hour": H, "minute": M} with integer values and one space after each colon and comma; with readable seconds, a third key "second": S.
{"hour": 1, "minute": 26}
